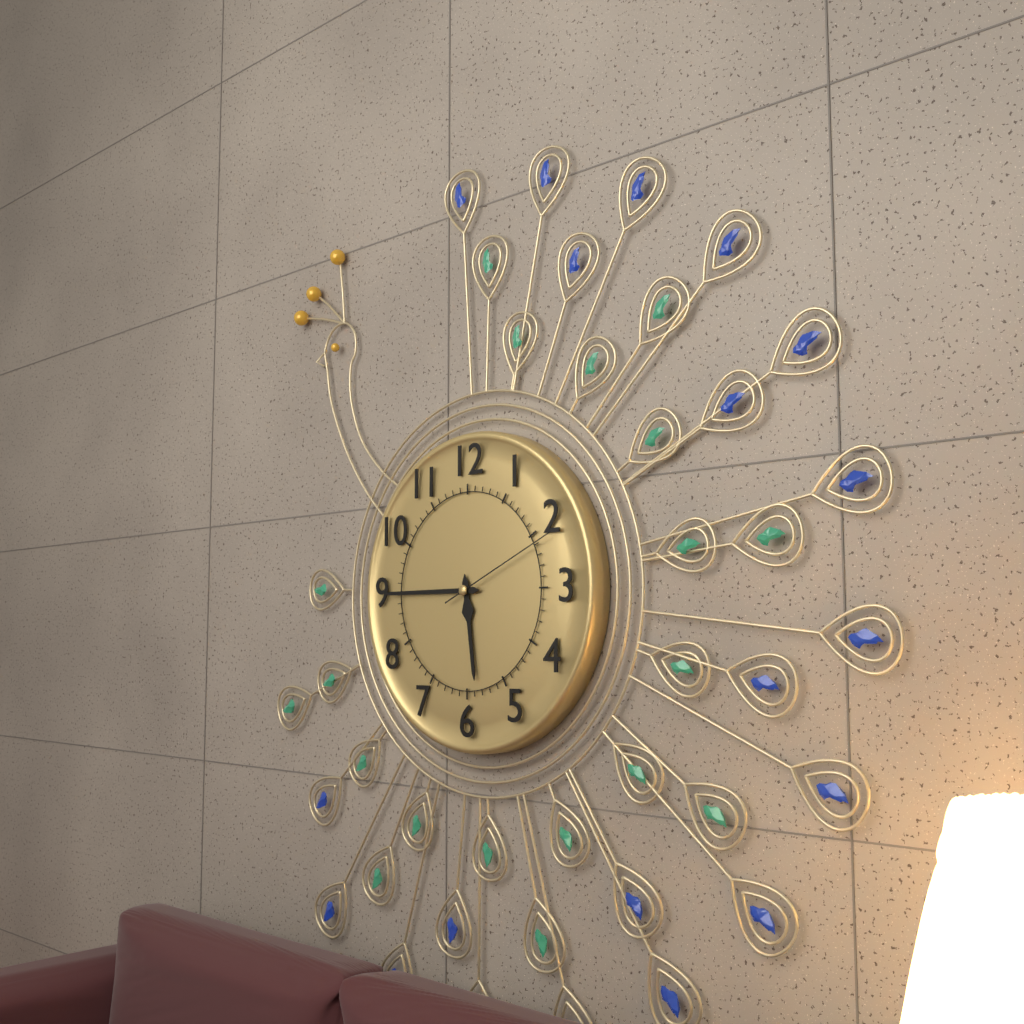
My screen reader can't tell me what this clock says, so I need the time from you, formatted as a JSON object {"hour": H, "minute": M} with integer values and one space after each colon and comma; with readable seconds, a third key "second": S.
{"hour": 5, "minute": 45, "second": 11}
